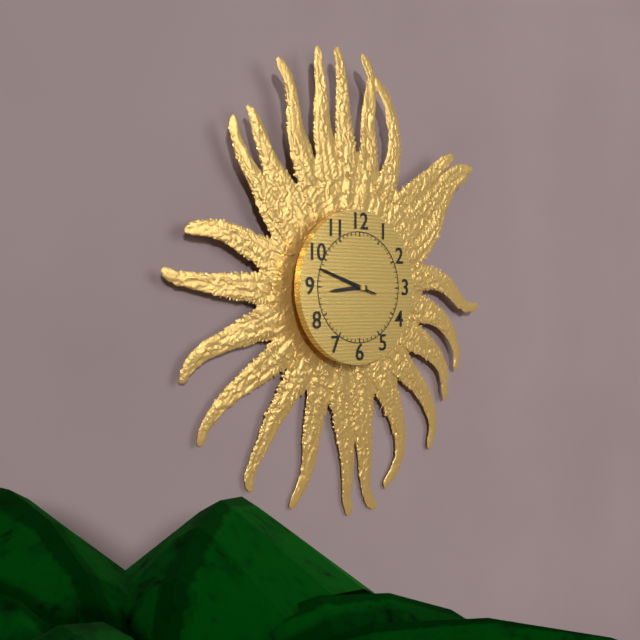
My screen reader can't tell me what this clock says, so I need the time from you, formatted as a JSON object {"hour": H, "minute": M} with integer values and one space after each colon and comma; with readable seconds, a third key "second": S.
{"hour": 8, "minute": 48}
